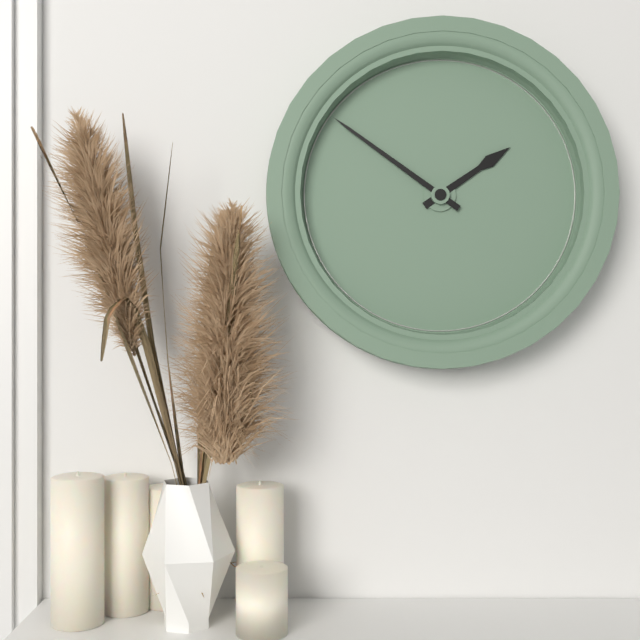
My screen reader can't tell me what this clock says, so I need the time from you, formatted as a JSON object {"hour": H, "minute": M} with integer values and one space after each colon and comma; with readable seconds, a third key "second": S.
{"hour": 1, "minute": 51}
